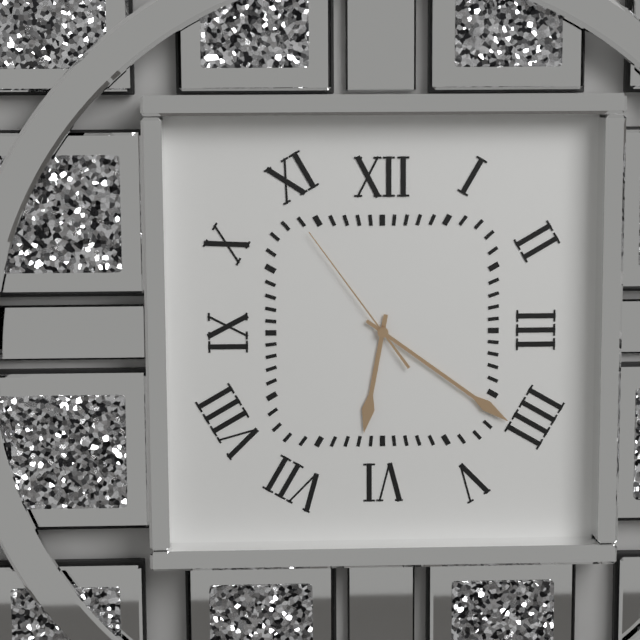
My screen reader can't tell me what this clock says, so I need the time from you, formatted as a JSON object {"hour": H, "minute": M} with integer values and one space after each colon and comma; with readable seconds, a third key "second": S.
{"hour": 6, "minute": 21, "second": 54}
